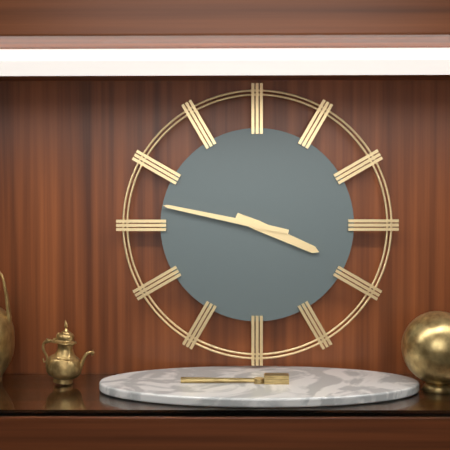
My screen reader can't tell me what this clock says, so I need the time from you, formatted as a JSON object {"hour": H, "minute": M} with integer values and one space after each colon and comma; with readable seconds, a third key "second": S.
{"hour": 3, "minute": 47}
